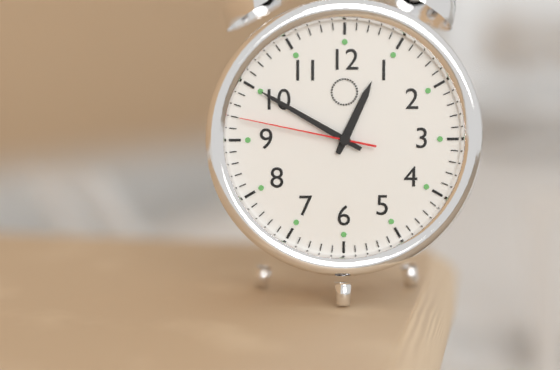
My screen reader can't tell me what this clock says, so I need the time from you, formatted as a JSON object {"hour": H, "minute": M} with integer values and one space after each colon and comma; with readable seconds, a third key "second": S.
{"hour": 12, "minute": 50, "second": 47}
